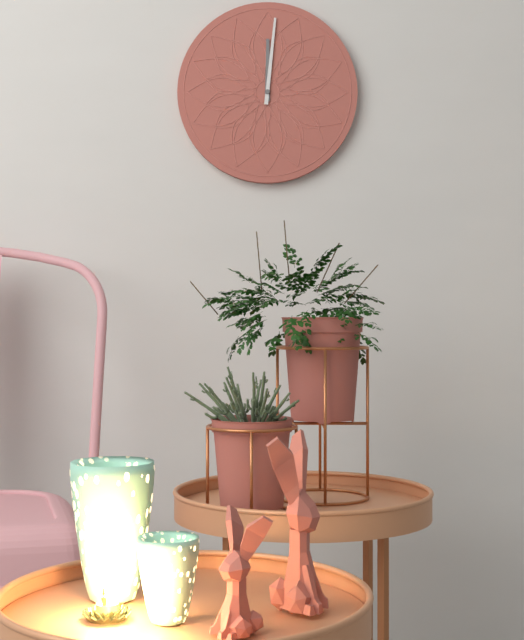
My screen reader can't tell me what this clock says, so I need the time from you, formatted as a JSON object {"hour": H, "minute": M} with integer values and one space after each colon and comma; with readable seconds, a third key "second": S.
{"hour": 12, "minute": 1}
